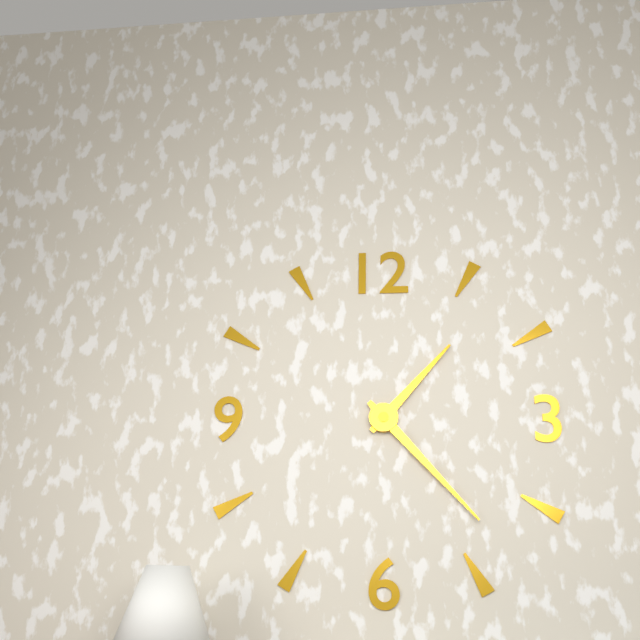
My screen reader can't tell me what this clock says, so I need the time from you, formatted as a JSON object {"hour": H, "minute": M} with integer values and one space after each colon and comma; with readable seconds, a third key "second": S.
{"hour": 1, "minute": 23}
